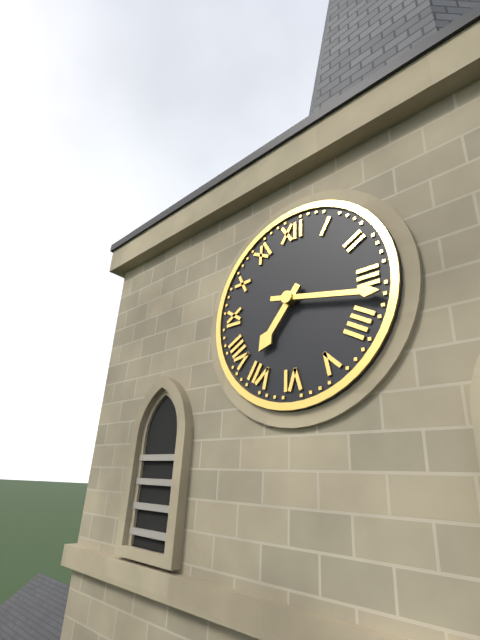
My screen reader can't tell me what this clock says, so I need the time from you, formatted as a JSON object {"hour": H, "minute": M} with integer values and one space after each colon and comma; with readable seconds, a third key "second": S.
{"hour": 7, "minute": 17}
